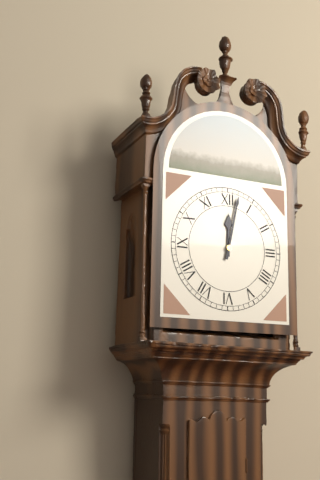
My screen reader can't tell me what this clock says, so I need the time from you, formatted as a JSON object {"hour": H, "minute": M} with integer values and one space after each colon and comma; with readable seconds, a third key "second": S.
{"hour": 12, "minute": 2}
